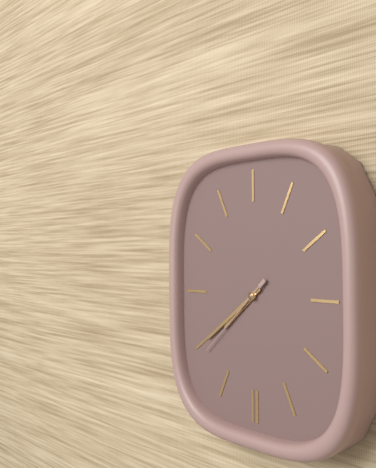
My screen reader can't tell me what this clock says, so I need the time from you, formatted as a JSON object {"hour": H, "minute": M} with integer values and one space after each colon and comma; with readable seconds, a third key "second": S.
{"hour": 7, "minute": 39, "second": 38}
